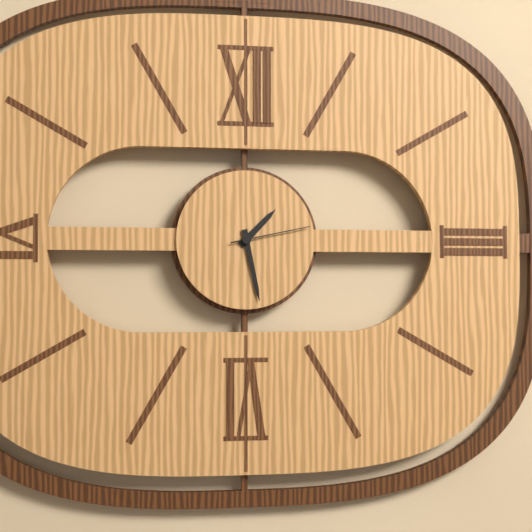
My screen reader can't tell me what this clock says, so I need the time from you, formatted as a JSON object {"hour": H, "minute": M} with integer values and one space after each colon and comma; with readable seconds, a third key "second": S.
{"hour": 1, "minute": 28, "second": 13}
